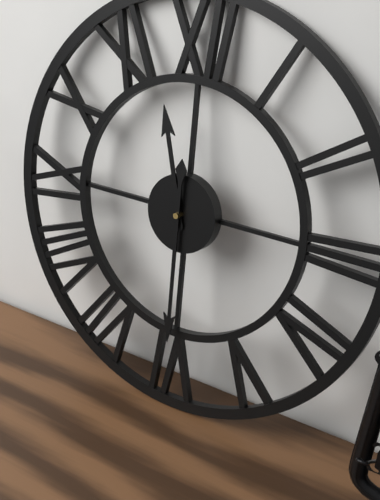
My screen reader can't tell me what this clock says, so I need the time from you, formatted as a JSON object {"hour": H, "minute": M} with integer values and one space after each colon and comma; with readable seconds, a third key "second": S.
{"hour": 11, "minute": 30}
